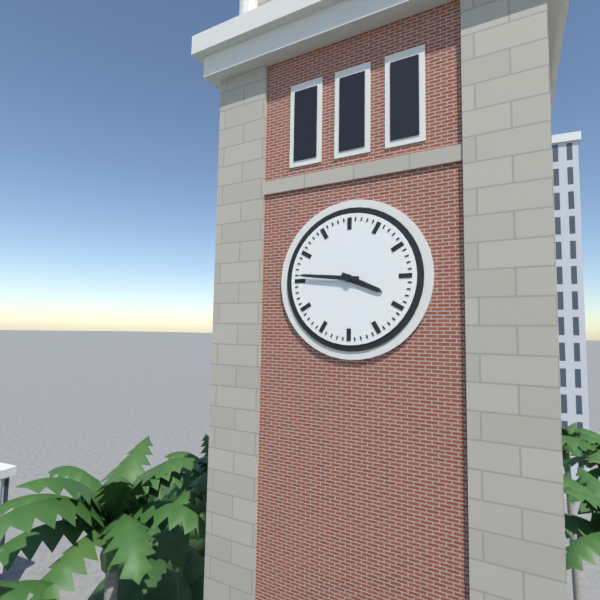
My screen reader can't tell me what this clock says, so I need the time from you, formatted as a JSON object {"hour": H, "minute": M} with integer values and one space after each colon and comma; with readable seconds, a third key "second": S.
{"hour": 3, "minute": 46}
